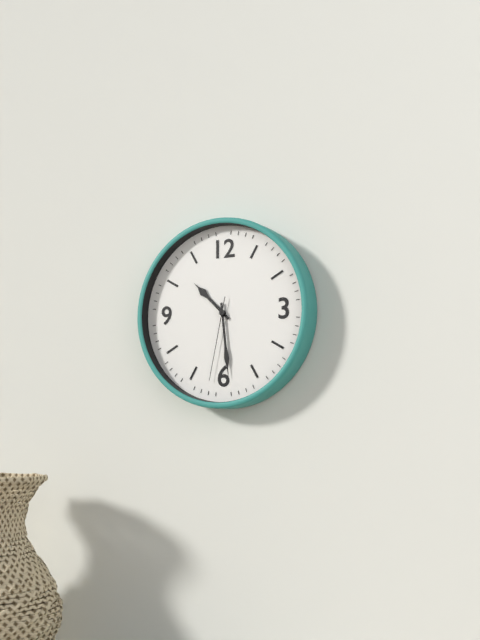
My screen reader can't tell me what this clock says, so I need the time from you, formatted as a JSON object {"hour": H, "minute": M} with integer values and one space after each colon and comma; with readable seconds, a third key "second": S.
{"hour": 10, "minute": 29, "second": 32}
